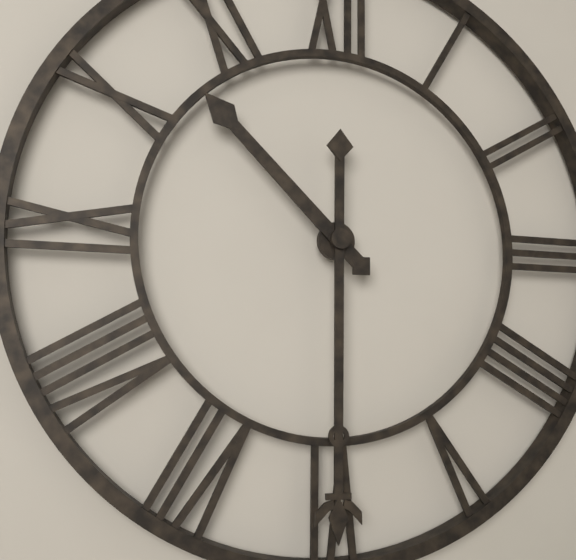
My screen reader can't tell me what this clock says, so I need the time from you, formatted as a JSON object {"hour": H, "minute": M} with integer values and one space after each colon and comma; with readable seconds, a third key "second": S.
{"hour": 10, "minute": 30}
